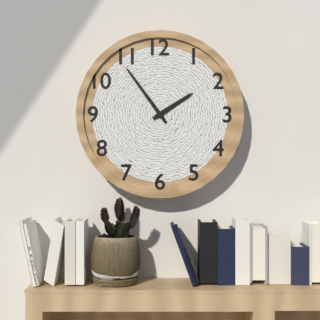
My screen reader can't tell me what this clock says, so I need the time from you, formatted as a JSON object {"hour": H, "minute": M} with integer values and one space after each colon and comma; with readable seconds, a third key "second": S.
{"hour": 1, "minute": 54}
